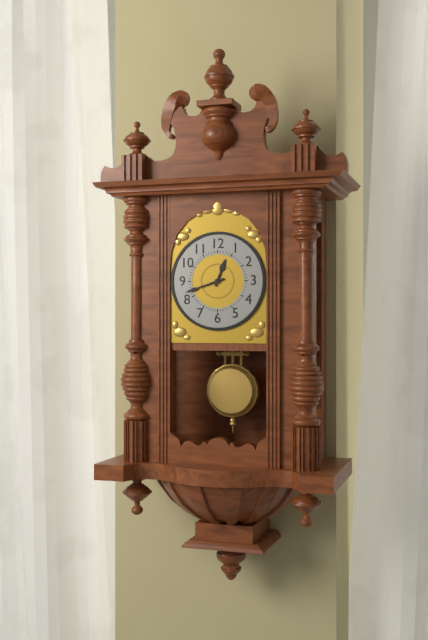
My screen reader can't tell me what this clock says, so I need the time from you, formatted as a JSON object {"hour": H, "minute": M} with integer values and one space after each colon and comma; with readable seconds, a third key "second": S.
{"hour": 12, "minute": 42}
